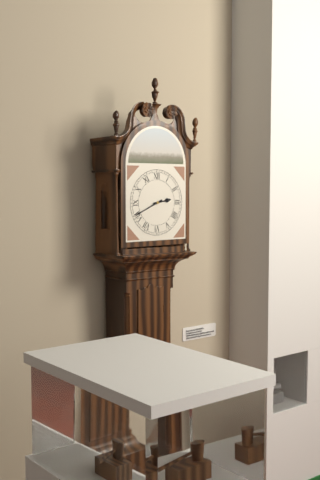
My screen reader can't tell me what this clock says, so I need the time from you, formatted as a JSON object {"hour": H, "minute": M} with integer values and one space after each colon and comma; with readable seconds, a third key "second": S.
{"hour": 2, "minute": 41}
